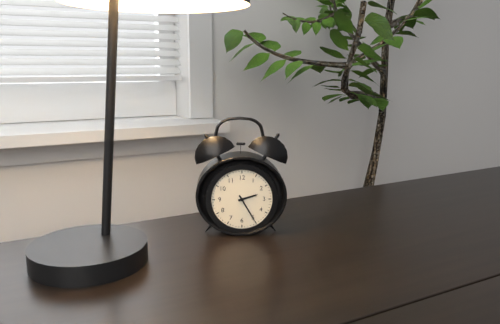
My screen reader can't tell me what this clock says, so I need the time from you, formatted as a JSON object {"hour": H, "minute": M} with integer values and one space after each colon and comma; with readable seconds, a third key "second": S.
{"hour": 2, "minute": 25}
